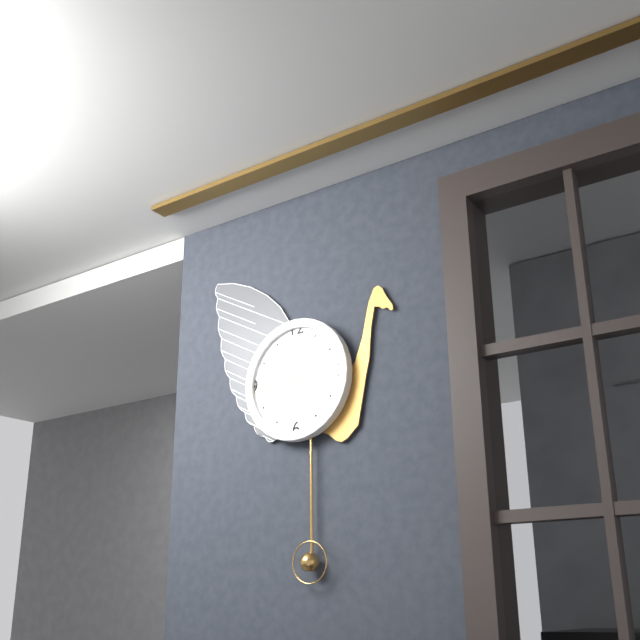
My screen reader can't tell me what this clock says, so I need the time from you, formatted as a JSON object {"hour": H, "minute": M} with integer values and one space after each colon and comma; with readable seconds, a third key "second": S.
{"hour": 4, "minute": 44}
